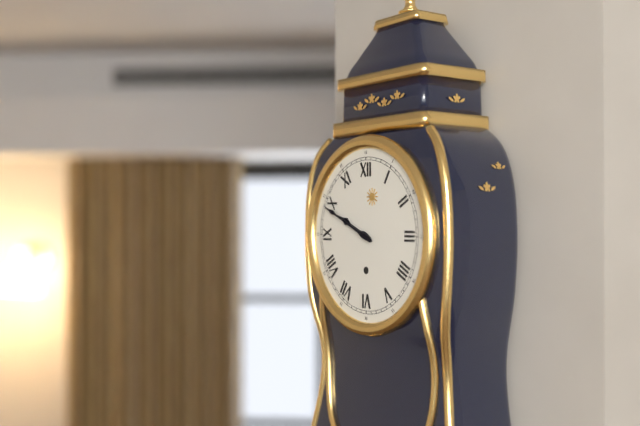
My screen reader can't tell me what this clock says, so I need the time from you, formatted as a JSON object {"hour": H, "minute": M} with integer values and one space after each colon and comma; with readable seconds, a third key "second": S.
{"hour": 9, "minute": 49}
